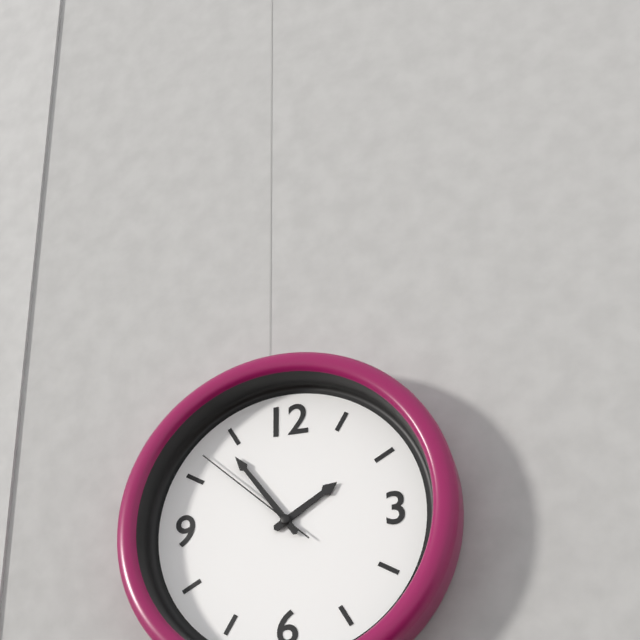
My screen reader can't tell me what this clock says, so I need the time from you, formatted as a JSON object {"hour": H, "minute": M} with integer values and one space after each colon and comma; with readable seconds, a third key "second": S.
{"hour": 1, "minute": 54, "second": 52}
